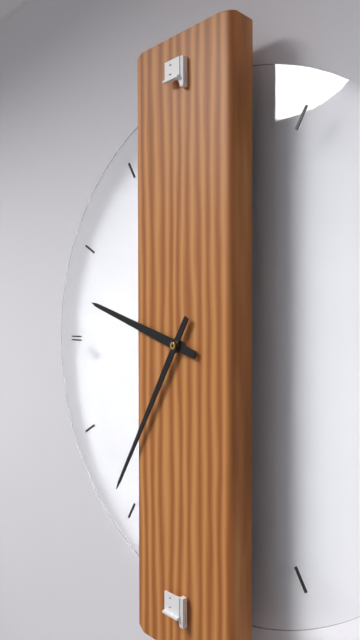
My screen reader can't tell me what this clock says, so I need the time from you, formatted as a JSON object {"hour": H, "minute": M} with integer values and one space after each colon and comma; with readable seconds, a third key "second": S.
{"hour": 9, "minute": 35}
